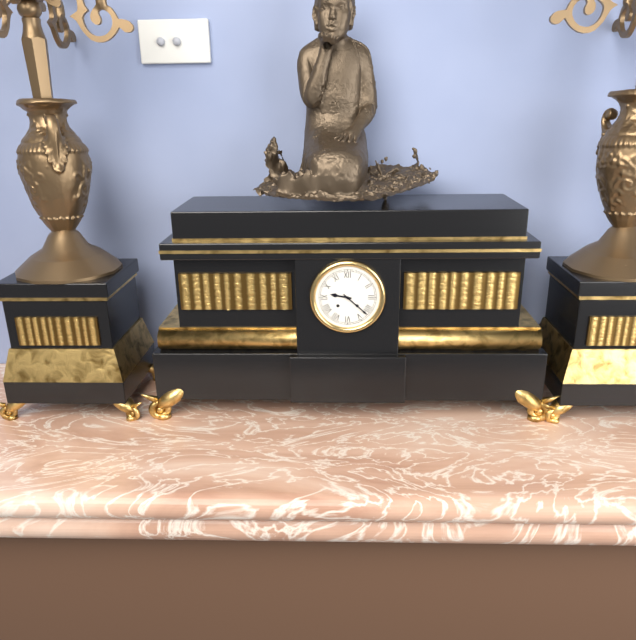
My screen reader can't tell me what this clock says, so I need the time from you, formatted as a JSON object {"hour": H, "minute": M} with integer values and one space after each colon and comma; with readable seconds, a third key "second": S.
{"hour": 9, "minute": 22}
